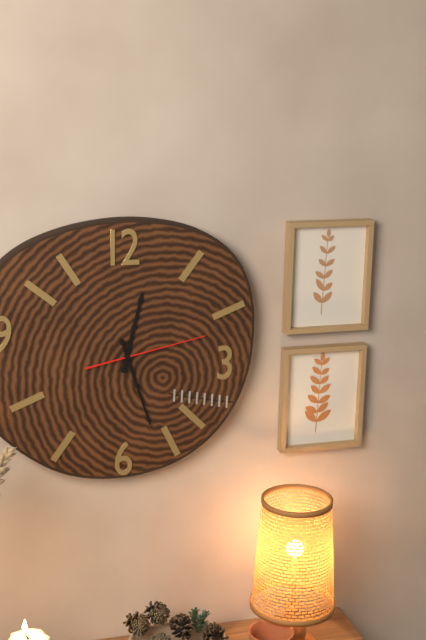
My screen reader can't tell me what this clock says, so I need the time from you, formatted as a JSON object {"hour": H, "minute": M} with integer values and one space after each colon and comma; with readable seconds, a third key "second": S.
{"hour": 12, "minute": 27, "second": 13}
